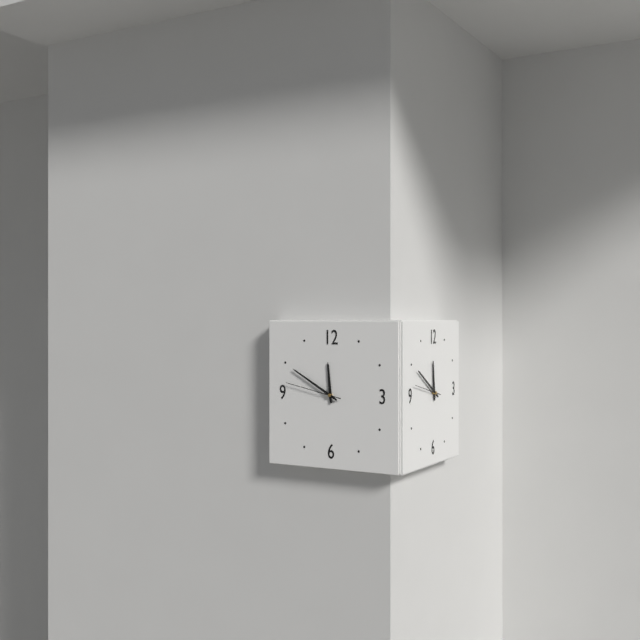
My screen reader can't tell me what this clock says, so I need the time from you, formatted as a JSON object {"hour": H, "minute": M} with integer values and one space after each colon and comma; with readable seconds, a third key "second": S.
{"hour": 11, "minute": 50, "second": 47}
